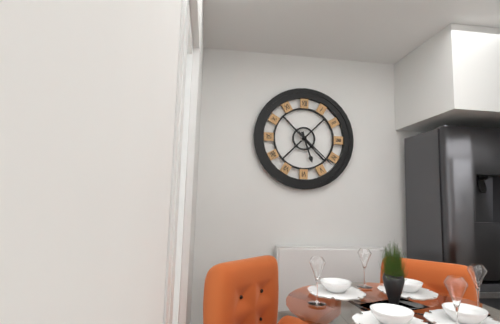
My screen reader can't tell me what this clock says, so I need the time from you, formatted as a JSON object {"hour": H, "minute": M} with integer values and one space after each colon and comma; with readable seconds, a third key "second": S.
{"hour": 5, "minute": 22}
